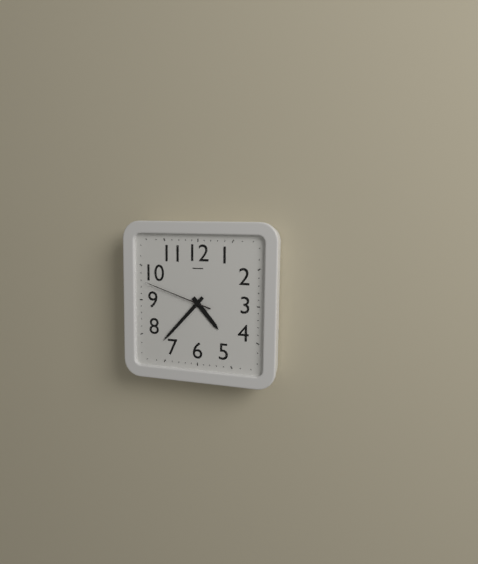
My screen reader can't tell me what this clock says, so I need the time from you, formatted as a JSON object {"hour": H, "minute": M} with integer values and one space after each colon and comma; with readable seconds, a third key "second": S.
{"hour": 4, "minute": 37, "second": 48}
